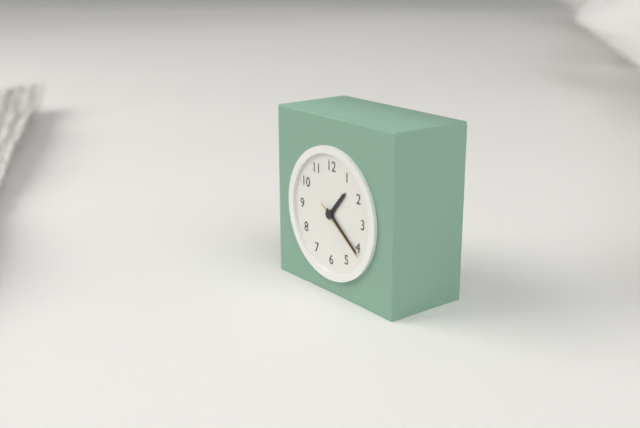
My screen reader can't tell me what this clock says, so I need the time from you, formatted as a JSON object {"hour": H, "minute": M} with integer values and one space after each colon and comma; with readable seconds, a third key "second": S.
{"hour": 1, "minute": 21, "second": 21}
